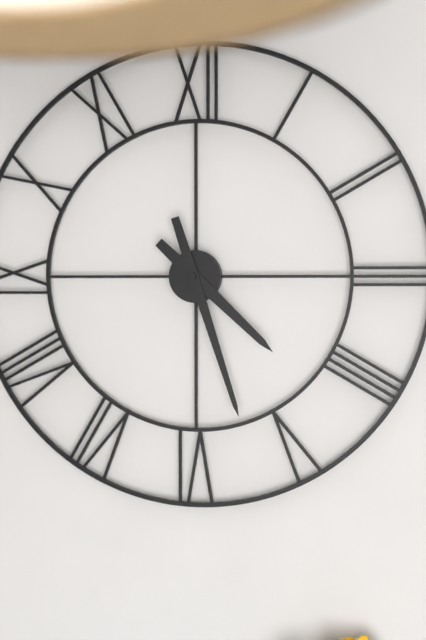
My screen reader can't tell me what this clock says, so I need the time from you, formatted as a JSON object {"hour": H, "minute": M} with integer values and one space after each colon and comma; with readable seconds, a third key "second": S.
{"hour": 4, "minute": 27}
